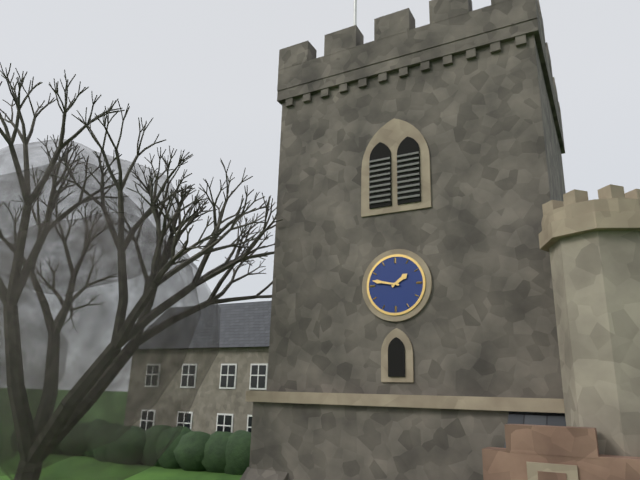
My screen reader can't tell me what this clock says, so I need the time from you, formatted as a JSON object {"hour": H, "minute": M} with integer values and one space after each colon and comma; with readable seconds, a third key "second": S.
{"hour": 1, "minute": 47}
